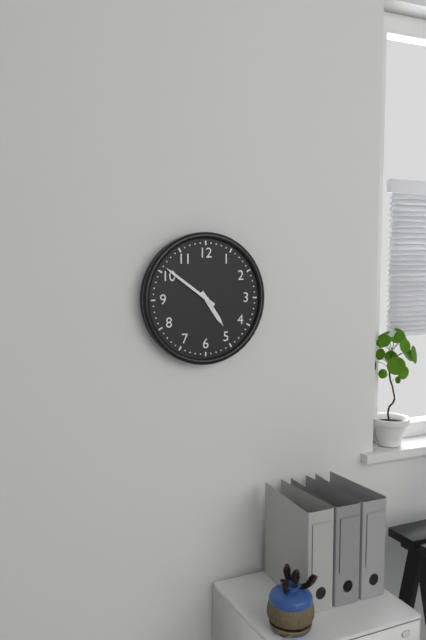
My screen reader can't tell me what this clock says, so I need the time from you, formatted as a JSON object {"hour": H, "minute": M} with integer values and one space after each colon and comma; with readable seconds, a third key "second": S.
{"hour": 4, "minute": 51}
